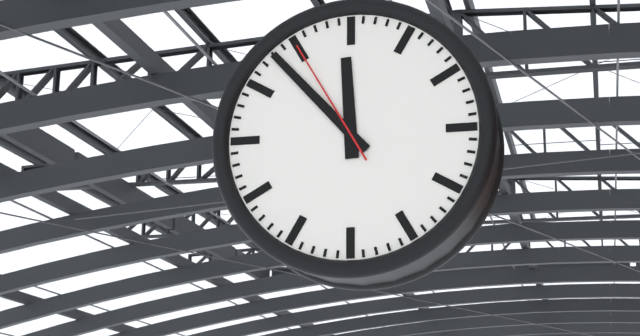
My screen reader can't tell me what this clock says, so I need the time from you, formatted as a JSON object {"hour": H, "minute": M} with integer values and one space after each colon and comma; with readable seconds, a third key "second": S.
{"hour": 11, "minute": 53, "second": 55}
